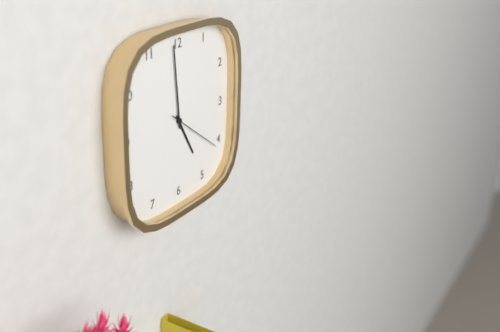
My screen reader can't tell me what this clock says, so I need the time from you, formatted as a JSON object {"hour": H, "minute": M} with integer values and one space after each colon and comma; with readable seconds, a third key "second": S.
{"hour": 4, "minute": 59, "second": 21}
